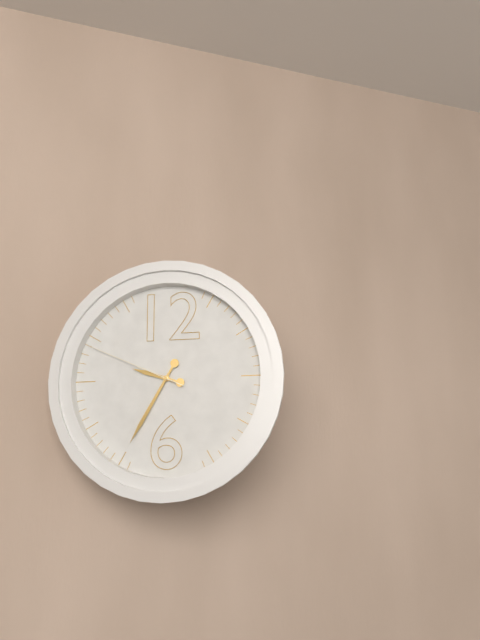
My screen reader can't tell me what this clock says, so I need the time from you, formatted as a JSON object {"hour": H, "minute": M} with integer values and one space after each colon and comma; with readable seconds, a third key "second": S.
{"hour": 9, "minute": 35, "second": 49}
